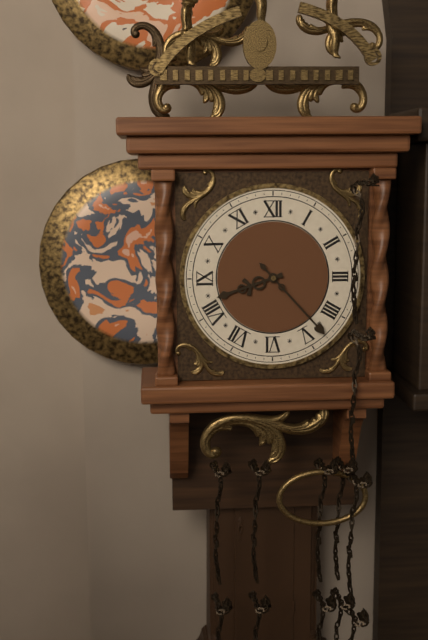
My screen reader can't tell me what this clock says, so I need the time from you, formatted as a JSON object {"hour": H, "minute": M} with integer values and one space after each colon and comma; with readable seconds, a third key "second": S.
{"hour": 8, "minute": 23}
